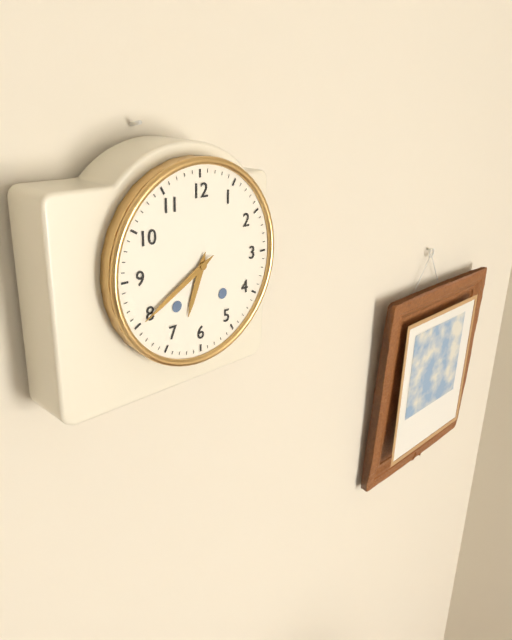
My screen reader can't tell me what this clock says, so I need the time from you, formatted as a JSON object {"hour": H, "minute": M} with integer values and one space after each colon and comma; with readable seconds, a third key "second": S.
{"hour": 6, "minute": 40}
